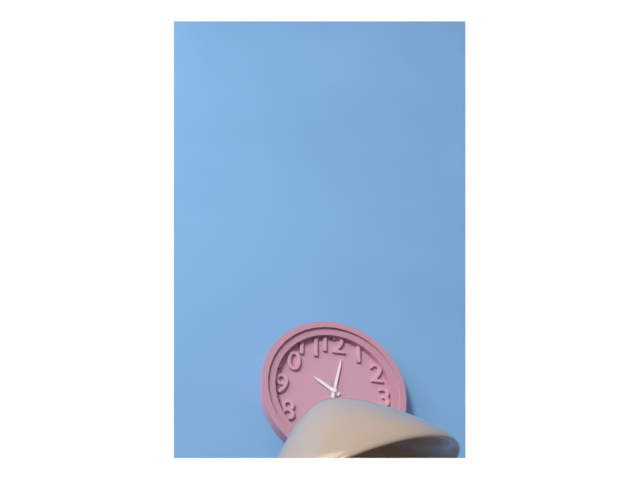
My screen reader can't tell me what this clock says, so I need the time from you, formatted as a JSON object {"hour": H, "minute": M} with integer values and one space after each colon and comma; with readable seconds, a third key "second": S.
{"hour": 10, "minute": 2}
